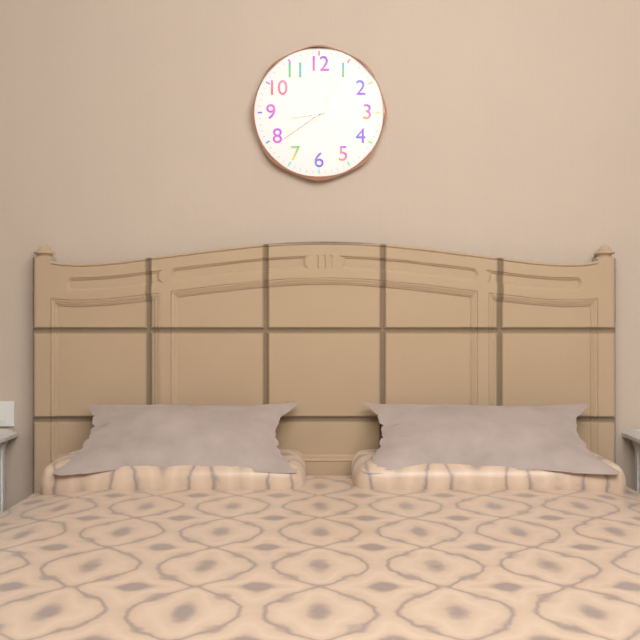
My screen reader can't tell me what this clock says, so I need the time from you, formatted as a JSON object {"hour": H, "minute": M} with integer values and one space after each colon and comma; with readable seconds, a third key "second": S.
{"hour": 8, "minute": 39, "second": 5}
